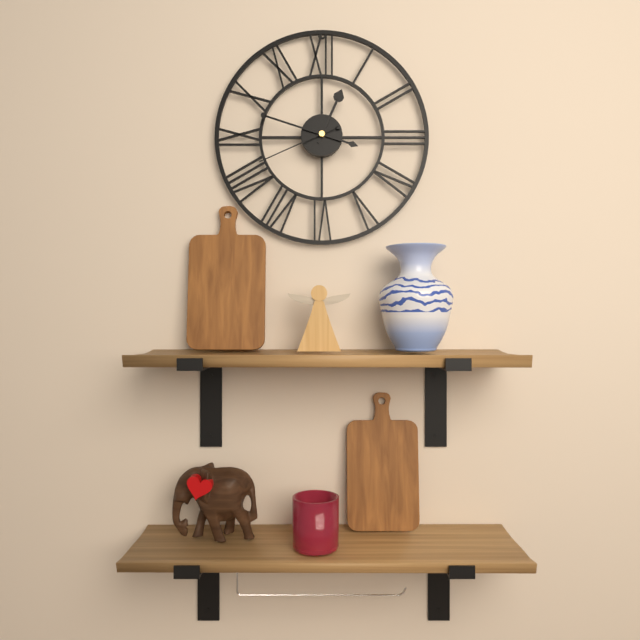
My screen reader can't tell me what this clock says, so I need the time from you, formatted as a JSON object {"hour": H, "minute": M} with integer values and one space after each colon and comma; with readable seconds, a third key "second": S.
{"hour": 12, "minute": 48, "second": 41}
